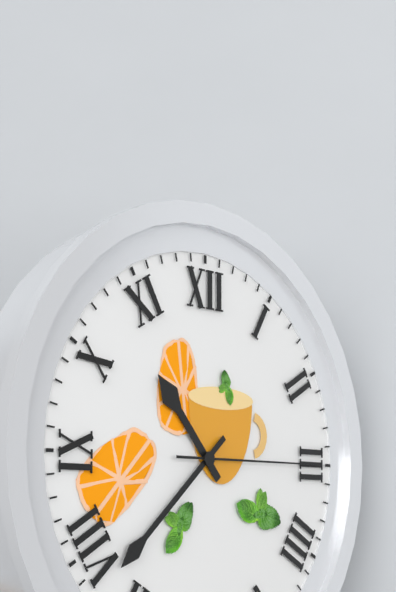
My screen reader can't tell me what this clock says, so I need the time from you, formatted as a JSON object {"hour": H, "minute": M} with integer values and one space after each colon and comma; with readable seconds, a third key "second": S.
{"hour": 10, "minute": 38, "second": 15}
